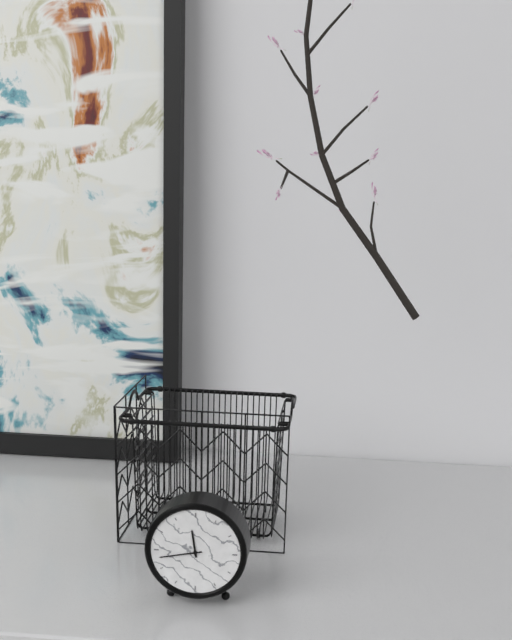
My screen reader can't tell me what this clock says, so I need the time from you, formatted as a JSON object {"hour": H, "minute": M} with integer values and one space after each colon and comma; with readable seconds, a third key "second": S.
{"hour": 11, "minute": 43}
